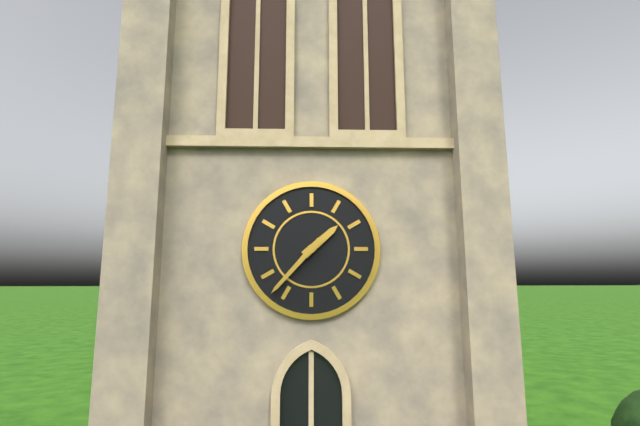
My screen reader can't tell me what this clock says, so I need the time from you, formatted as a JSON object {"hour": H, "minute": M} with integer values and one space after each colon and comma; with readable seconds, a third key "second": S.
{"hour": 1, "minute": 37}
